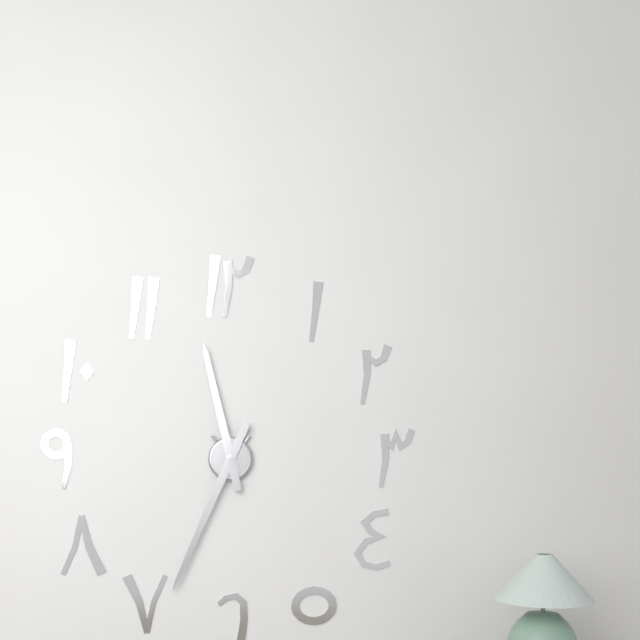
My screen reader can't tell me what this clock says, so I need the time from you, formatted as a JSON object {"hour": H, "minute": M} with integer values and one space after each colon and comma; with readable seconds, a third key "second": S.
{"hour": 11, "minute": 34}
